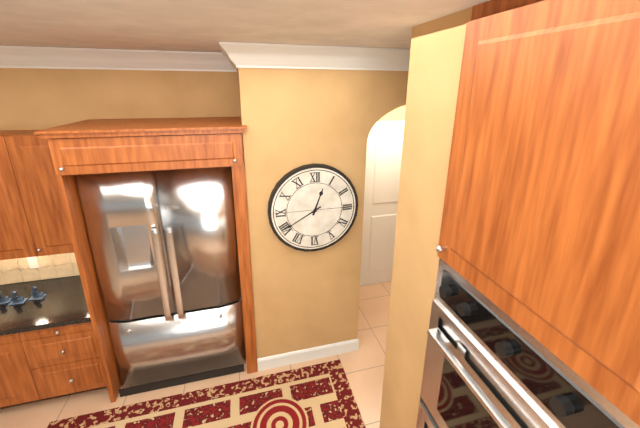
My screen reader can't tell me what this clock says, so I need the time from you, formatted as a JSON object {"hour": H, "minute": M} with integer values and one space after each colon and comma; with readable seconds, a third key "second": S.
{"hour": 12, "minute": 40}
